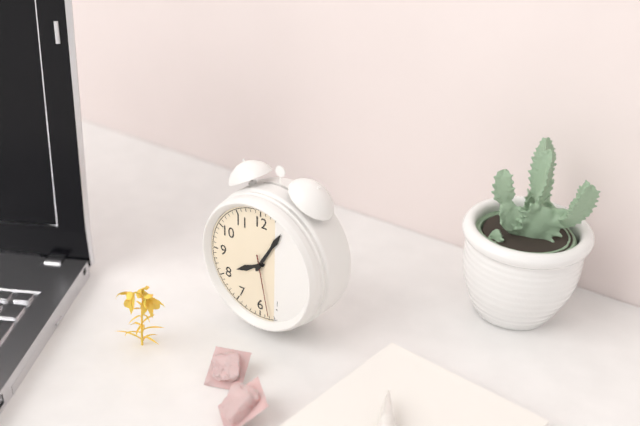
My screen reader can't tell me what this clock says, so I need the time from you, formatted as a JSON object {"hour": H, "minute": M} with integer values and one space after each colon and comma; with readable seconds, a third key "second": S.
{"hour": 8, "minute": 5, "second": 28}
